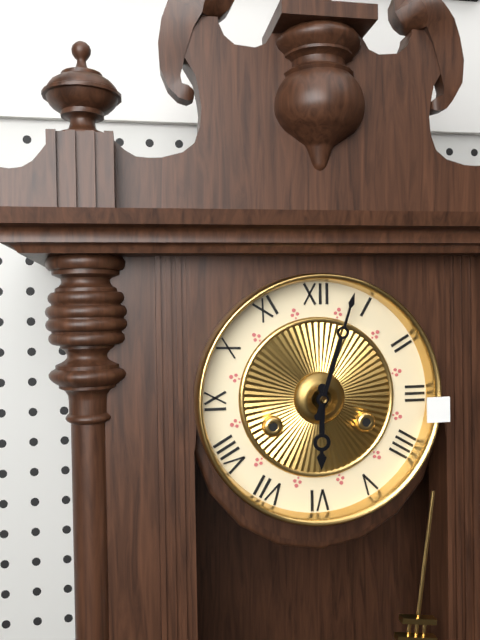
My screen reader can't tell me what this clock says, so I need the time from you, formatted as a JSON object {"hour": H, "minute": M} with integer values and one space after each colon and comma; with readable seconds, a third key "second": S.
{"hour": 6, "minute": 3}
